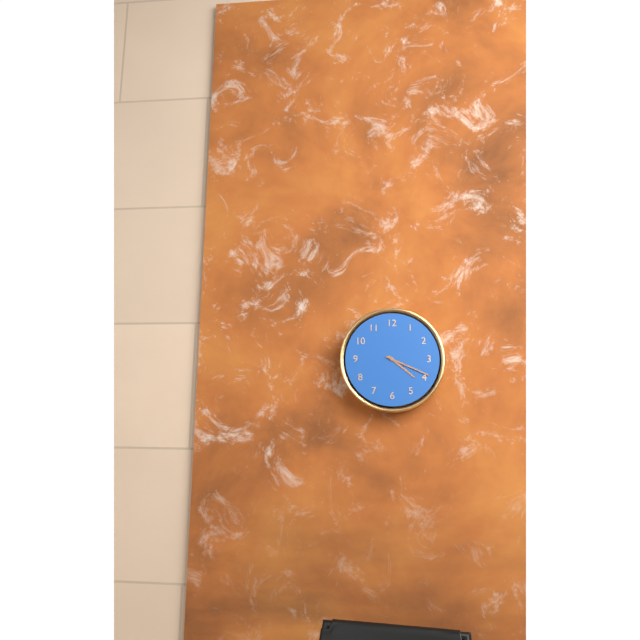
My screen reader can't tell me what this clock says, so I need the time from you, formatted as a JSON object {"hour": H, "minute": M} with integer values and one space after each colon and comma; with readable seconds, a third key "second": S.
{"hour": 4, "minute": 19}
